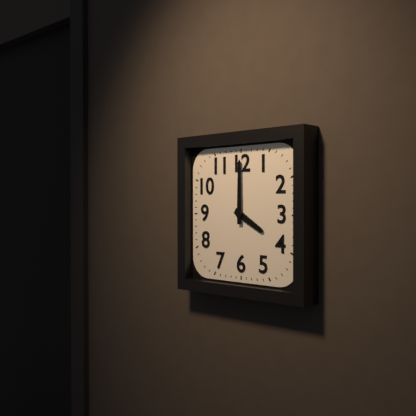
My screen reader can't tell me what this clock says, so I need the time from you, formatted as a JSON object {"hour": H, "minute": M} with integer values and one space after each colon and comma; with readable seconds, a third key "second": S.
{"hour": 4, "minute": 0}
